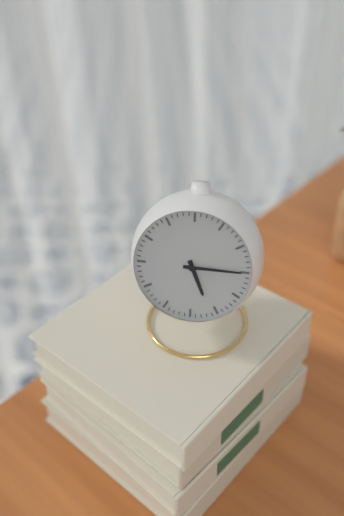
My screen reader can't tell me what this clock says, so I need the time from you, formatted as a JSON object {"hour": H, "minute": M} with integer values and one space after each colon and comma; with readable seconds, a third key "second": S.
{"hour": 5, "minute": 15}
